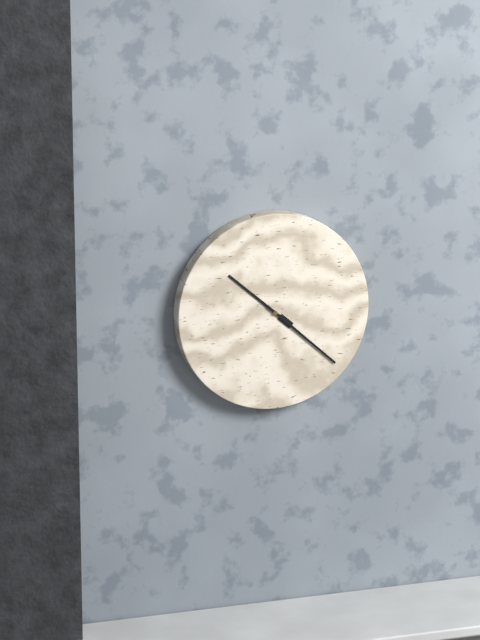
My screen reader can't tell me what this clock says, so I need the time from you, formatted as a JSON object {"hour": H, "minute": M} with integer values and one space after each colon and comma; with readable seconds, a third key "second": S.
{"hour": 10, "minute": 22}
